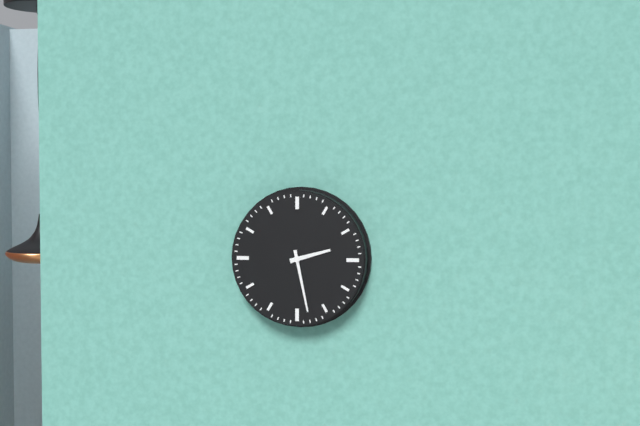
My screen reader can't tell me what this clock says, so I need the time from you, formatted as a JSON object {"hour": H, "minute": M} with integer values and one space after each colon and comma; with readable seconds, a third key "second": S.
{"hour": 2, "minute": 28}
